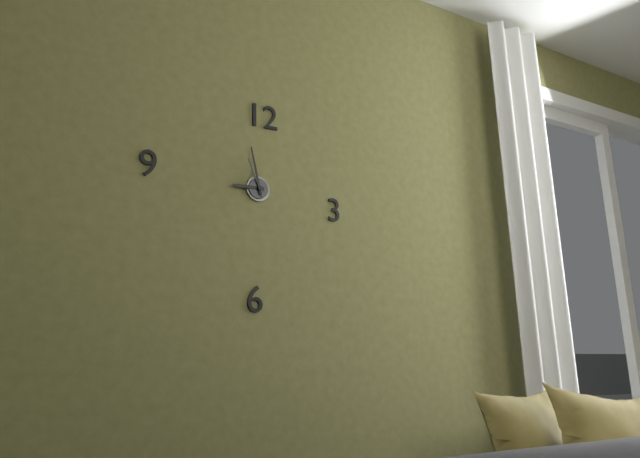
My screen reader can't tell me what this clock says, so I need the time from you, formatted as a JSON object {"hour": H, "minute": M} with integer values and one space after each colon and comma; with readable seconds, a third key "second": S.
{"hour": 8, "minute": 58}
